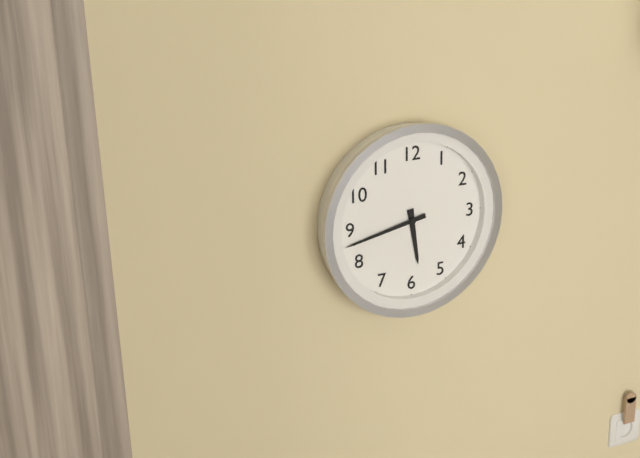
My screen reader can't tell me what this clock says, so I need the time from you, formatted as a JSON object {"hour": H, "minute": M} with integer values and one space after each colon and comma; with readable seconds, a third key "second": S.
{"hour": 5, "minute": 43}
